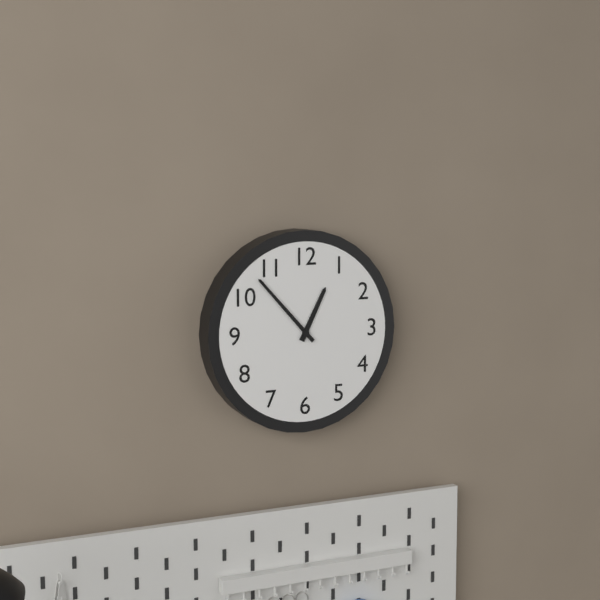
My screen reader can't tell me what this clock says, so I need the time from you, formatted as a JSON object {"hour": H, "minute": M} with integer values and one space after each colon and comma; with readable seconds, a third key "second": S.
{"hour": 12, "minute": 53}
